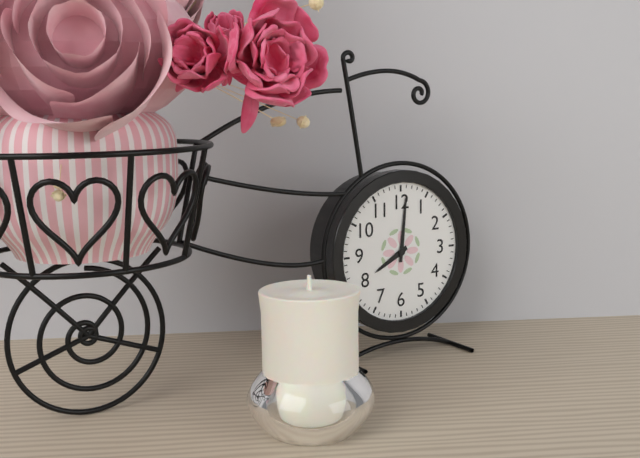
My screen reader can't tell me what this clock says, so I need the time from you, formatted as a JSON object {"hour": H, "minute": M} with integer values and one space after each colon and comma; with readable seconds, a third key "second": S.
{"hour": 8, "minute": 1}
